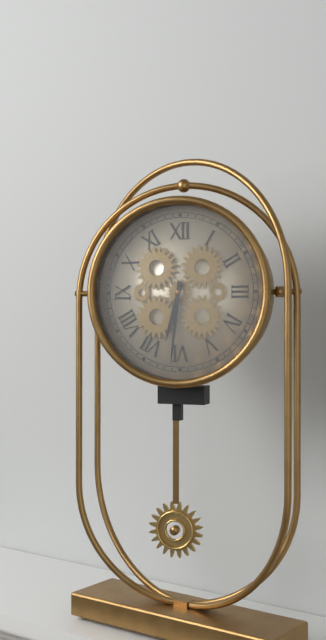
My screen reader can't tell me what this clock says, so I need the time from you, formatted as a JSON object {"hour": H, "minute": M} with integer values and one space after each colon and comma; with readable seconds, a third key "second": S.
{"hour": 6, "minute": 31}
